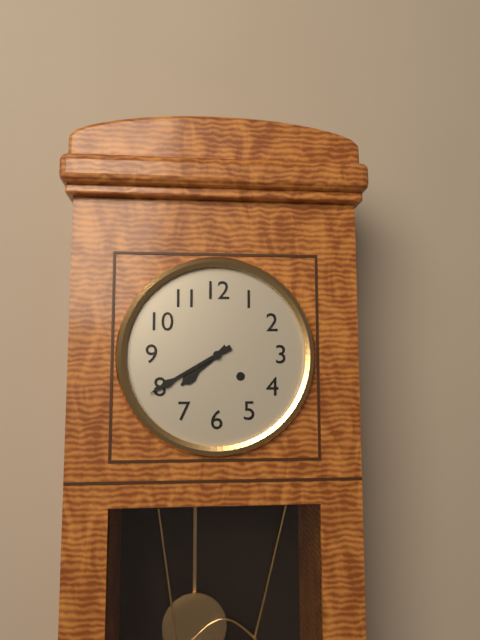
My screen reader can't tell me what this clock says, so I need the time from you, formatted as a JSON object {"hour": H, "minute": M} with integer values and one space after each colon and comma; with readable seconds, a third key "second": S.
{"hour": 7, "minute": 40}
